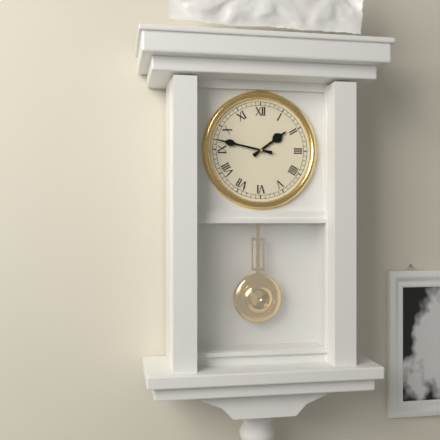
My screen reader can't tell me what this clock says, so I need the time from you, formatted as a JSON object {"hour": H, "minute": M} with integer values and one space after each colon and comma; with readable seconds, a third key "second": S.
{"hour": 1, "minute": 47}
